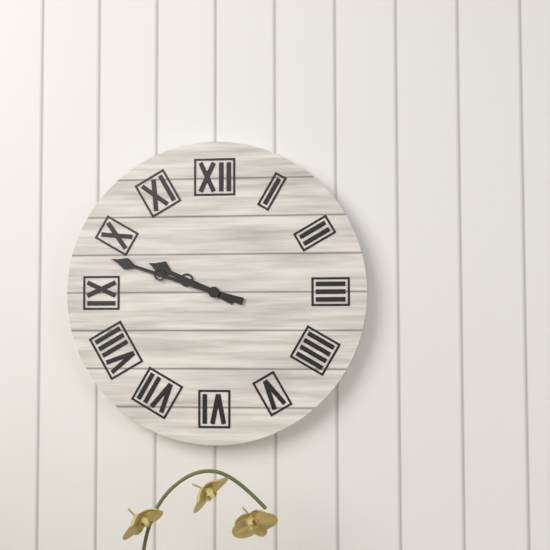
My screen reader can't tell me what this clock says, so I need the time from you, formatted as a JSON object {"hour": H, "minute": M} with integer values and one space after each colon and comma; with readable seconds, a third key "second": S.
{"hour": 9, "minute": 48}
